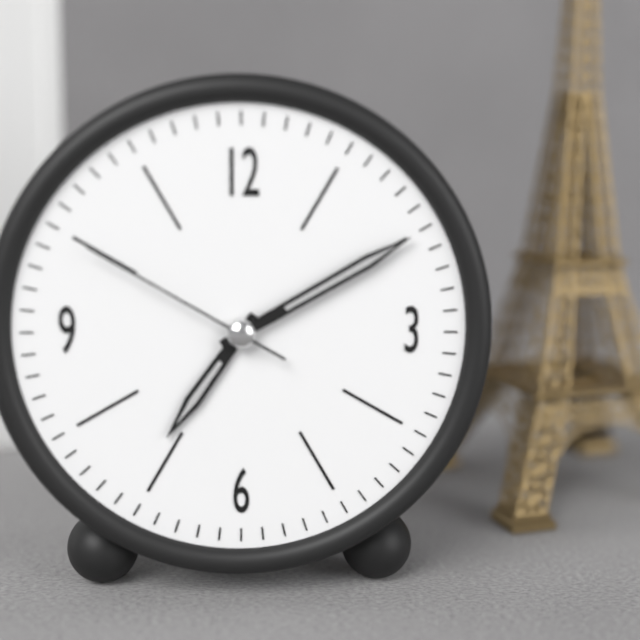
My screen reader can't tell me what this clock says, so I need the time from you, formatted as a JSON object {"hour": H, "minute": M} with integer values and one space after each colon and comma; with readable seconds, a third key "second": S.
{"hour": 7, "minute": 10, "second": 50}
